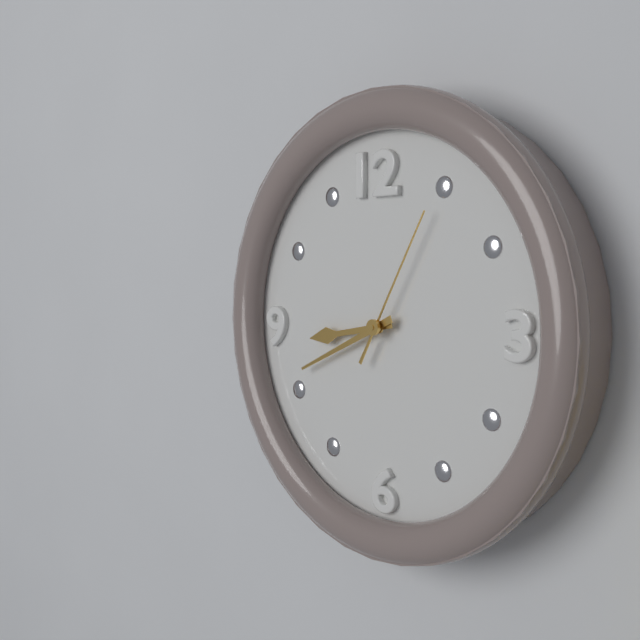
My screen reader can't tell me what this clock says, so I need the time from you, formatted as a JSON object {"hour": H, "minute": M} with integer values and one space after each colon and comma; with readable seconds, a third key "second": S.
{"hour": 8, "minute": 41, "second": 5}
